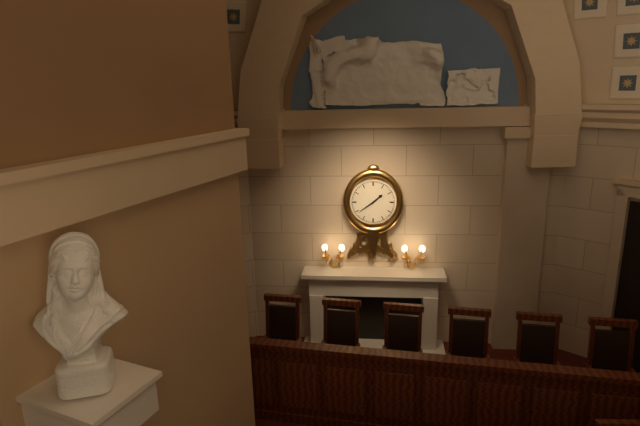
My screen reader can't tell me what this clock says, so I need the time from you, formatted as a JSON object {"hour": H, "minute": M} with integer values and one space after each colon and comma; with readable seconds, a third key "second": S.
{"hour": 1, "minute": 39}
